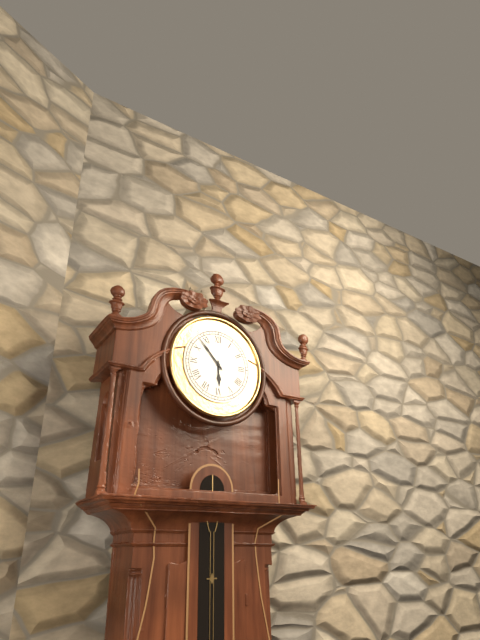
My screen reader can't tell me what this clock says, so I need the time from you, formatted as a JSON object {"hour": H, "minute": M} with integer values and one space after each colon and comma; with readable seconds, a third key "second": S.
{"hour": 5, "minute": 53}
